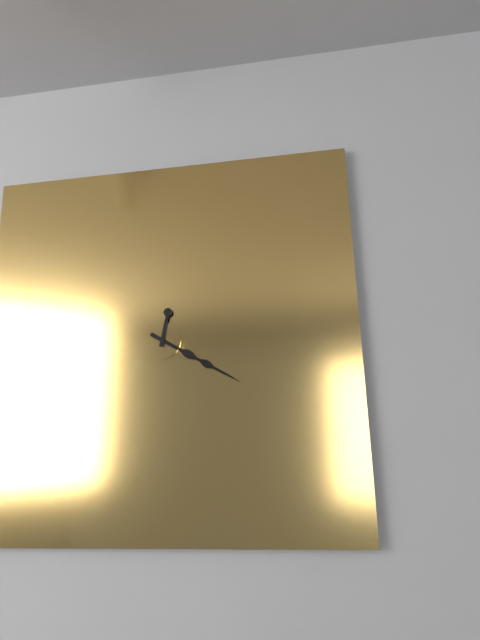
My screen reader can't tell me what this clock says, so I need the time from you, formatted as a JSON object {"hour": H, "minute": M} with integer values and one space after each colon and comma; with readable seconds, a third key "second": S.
{"hour": 12, "minute": 20}
